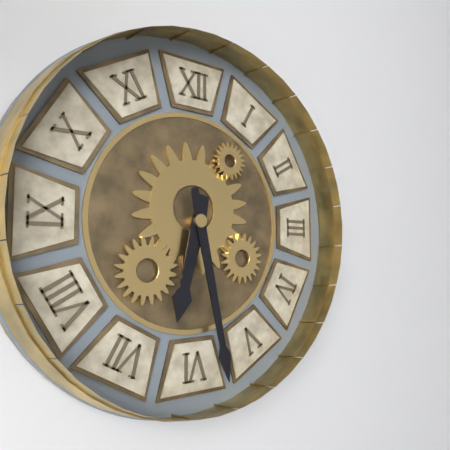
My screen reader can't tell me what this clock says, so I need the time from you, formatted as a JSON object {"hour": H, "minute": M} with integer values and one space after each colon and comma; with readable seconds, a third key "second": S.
{"hour": 6, "minute": 28}
